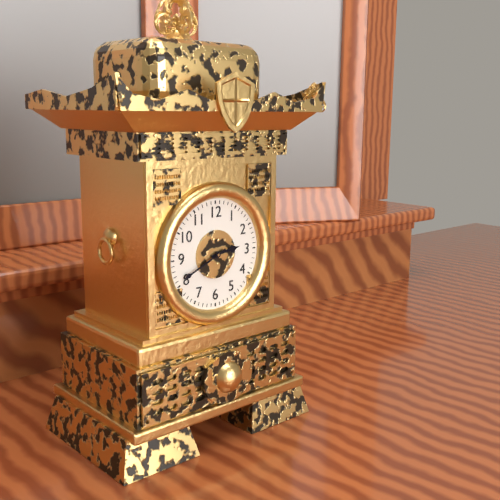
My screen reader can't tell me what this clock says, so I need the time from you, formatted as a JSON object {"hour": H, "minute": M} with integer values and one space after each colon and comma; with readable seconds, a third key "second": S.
{"hour": 2, "minute": 41}
